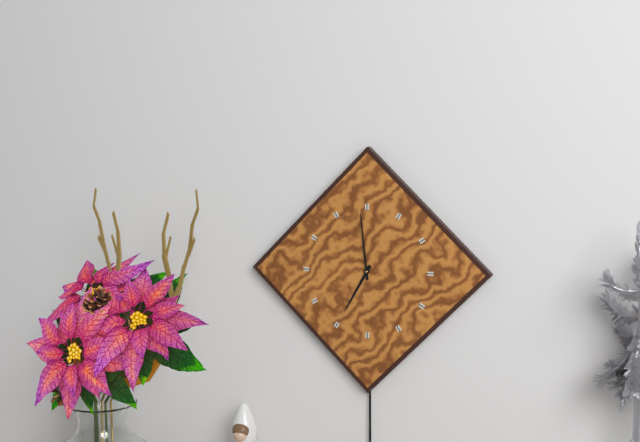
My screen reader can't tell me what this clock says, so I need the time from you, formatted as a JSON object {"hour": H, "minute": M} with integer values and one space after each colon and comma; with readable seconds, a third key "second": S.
{"hour": 6, "minute": 59}
